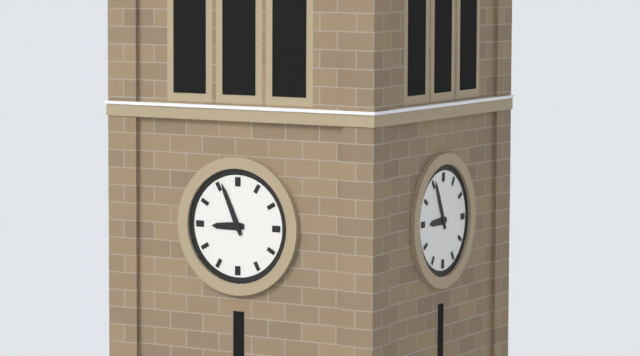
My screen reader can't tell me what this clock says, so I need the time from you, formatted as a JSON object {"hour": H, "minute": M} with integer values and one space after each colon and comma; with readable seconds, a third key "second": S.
{"hour": 8, "minute": 56}
